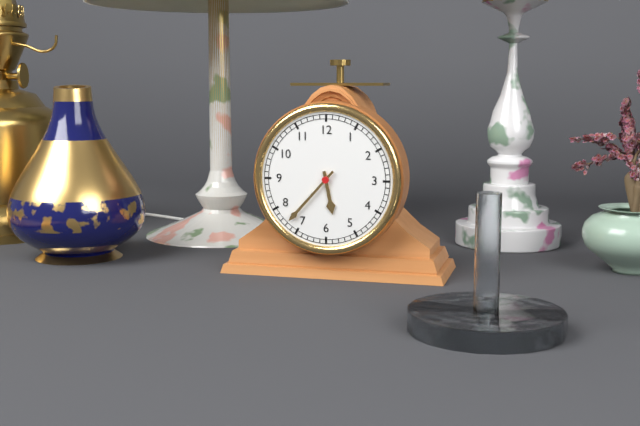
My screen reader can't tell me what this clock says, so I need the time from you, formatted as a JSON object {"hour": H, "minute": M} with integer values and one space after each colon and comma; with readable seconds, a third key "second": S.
{"hour": 5, "minute": 37}
